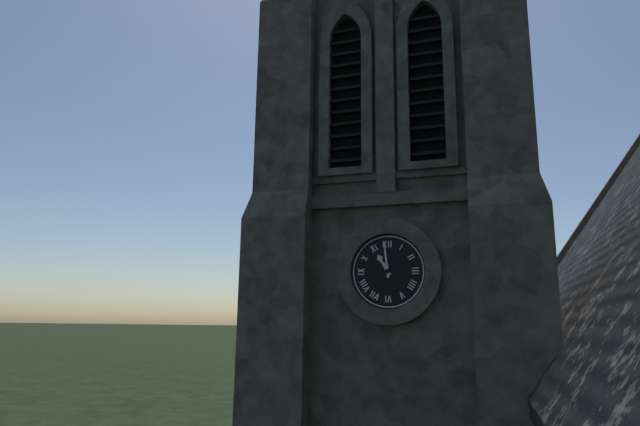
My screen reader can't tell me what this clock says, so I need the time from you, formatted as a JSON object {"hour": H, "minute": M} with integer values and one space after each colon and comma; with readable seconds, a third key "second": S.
{"hour": 10, "minute": 59}
